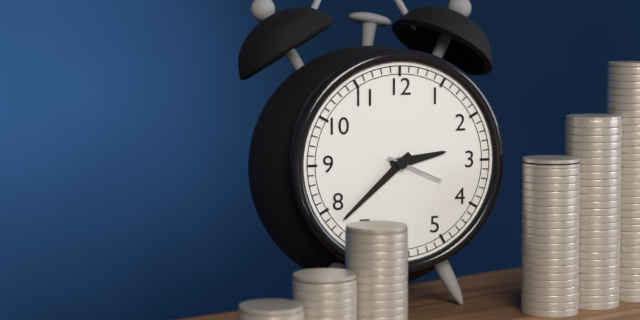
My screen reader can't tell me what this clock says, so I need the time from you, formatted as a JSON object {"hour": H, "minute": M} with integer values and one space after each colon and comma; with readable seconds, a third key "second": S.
{"hour": 2, "minute": 38, "second": 19}
